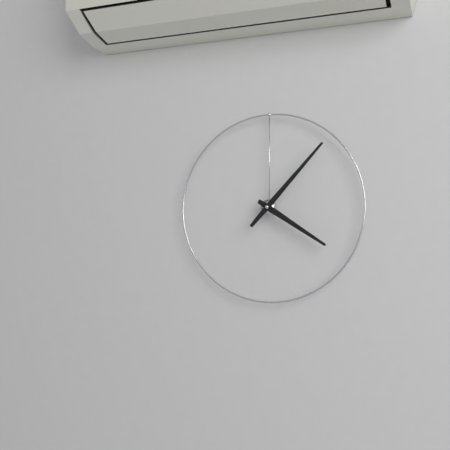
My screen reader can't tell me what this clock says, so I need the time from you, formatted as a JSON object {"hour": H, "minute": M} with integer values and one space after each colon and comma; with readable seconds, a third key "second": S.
{"hour": 4, "minute": 7}
